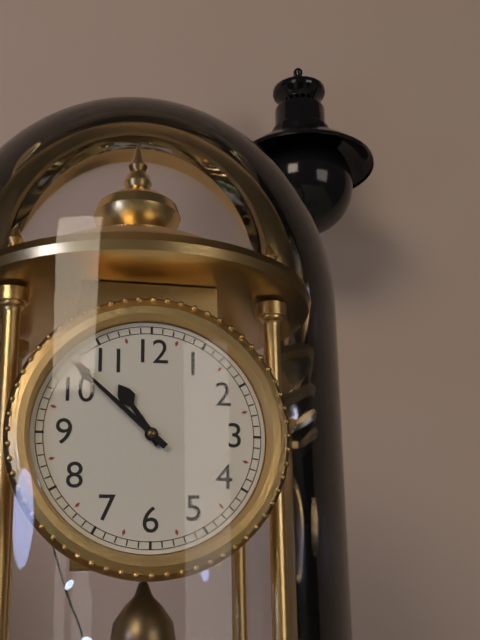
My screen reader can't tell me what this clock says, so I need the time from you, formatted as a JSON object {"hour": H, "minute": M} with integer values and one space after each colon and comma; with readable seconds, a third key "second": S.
{"hour": 10, "minute": 52}
